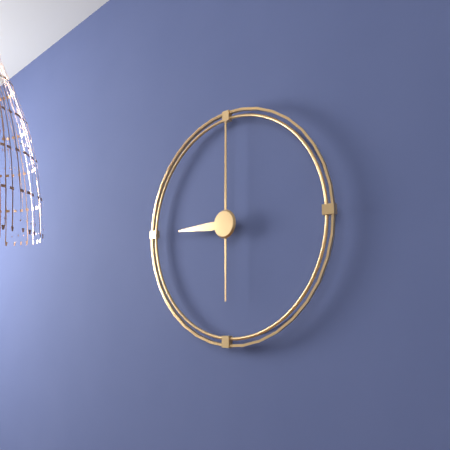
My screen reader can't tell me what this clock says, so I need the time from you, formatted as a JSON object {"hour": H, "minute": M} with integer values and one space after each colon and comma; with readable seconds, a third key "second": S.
{"hour": 9, "minute": 0}
